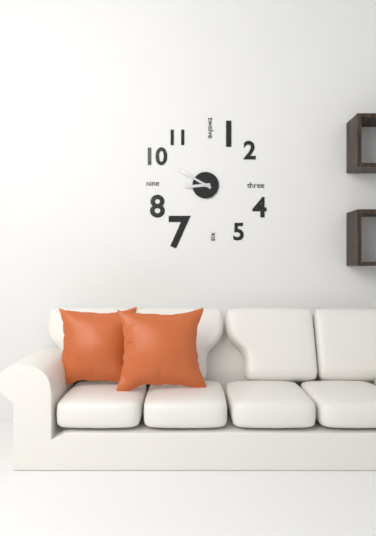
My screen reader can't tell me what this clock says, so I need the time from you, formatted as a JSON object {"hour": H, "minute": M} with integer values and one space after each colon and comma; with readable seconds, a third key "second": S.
{"hour": 8, "minute": 50}
